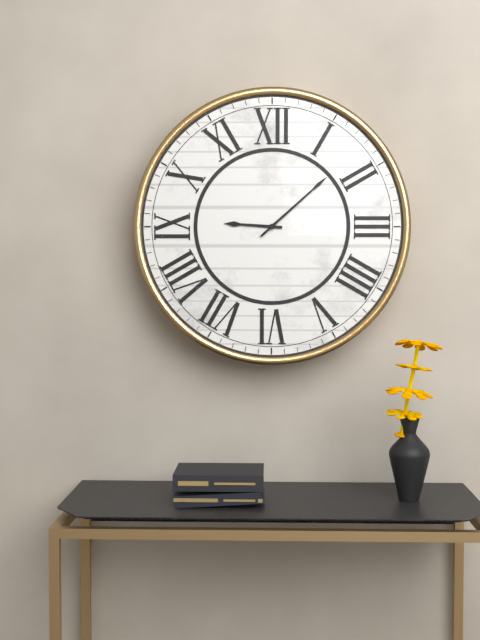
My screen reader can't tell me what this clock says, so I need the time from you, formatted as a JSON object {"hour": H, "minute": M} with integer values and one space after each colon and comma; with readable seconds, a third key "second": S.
{"hour": 9, "minute": 8}
